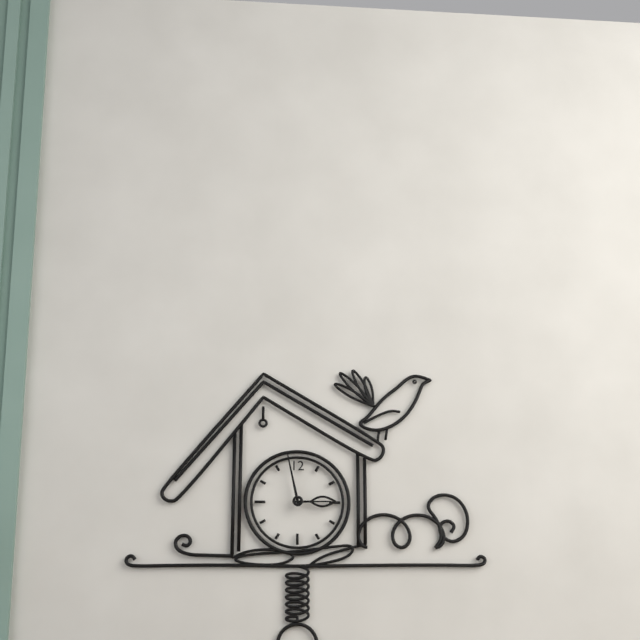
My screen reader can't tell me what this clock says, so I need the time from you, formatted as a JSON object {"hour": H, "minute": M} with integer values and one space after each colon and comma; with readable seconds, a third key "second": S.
{"hour": 2, "minute": 58}
